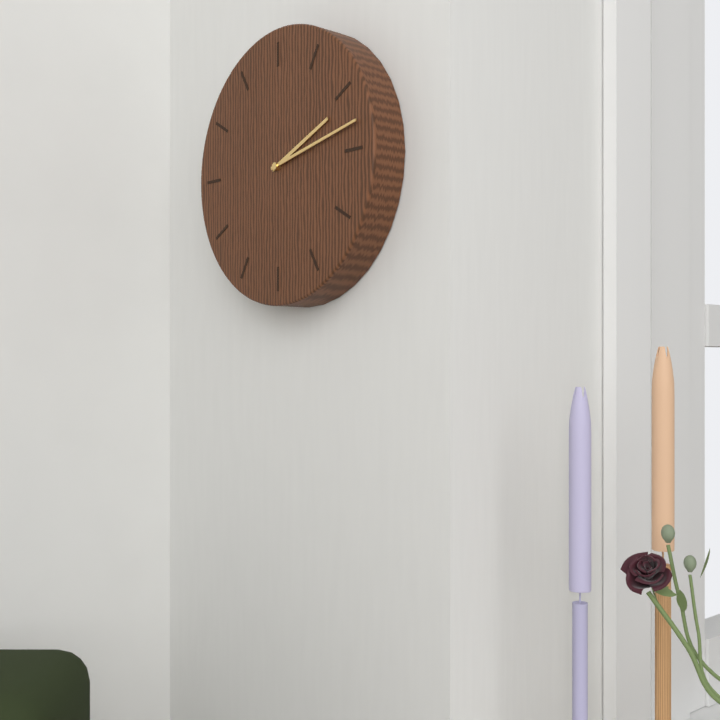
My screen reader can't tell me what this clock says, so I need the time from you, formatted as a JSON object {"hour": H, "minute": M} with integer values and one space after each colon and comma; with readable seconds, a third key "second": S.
{"hour": 2, "minute": 13}
